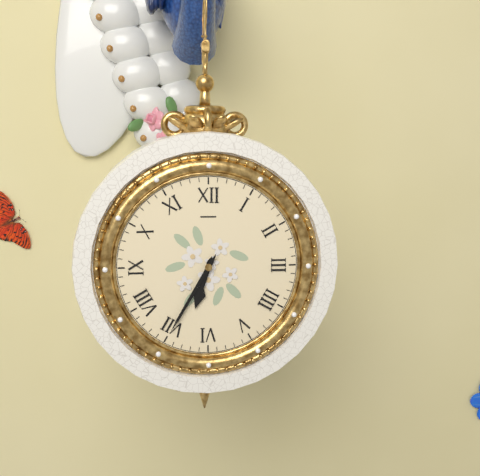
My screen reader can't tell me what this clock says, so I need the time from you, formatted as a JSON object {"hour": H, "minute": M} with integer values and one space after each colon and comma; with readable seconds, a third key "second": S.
{"hour": 6, "minute": 35}
